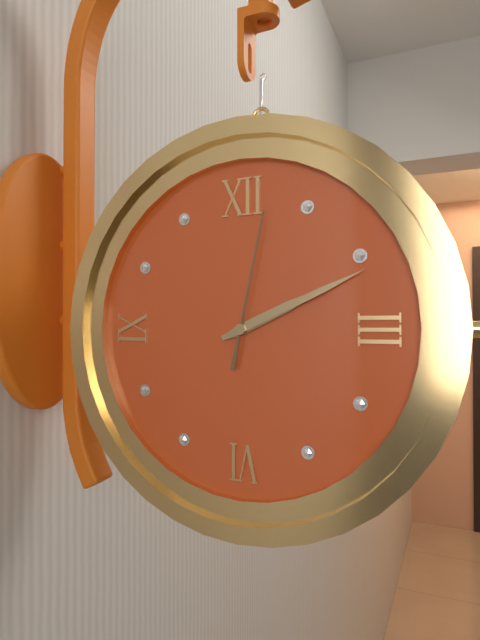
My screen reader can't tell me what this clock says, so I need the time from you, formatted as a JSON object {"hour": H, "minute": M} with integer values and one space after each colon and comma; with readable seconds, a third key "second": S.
{"hour": 2, "minute": 11, "second": 2}
